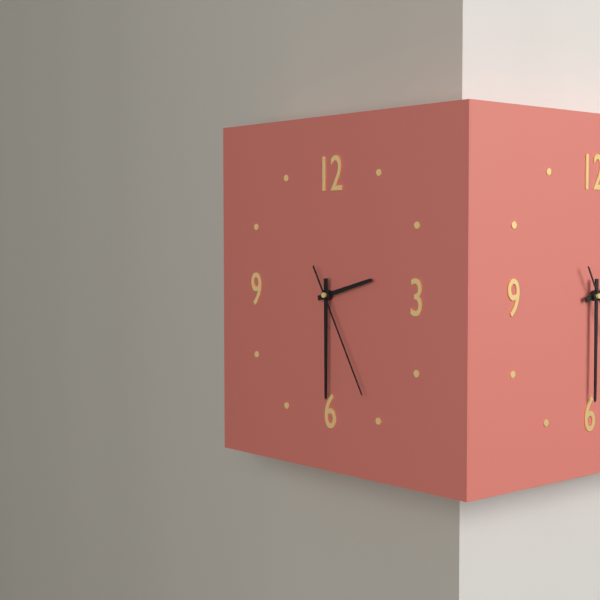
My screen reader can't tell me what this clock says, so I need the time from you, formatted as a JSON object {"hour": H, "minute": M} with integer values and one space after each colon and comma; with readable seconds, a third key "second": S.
{"hour": 2, "minute": 30, "second": 25}
